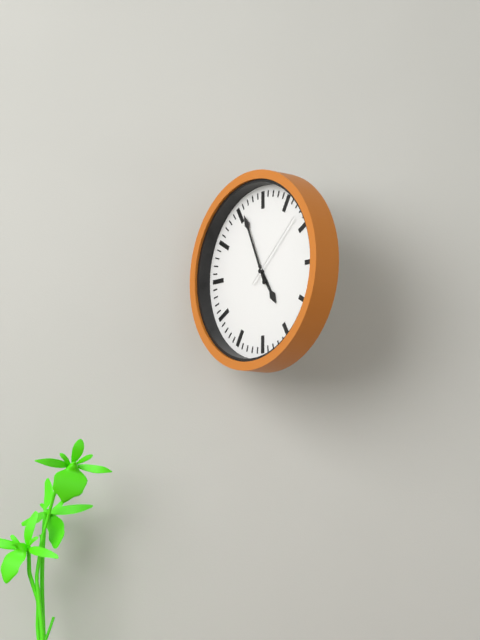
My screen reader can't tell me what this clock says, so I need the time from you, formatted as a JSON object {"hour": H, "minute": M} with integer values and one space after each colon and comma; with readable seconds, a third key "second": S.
{"hour": 4, "minute": 56, "second": 8}
